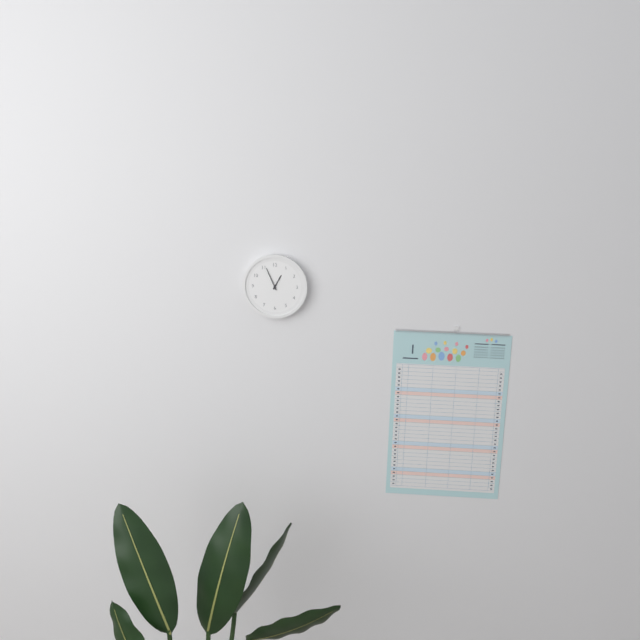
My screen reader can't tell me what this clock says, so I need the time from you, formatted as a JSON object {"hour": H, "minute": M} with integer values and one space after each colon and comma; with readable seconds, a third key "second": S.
{"hour": 12, "minute": 56}
